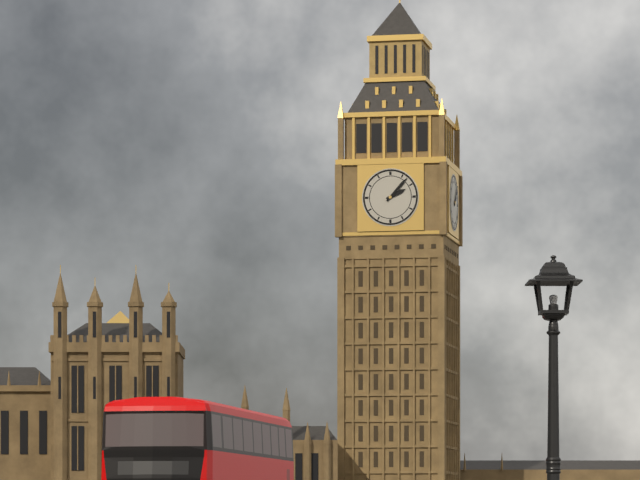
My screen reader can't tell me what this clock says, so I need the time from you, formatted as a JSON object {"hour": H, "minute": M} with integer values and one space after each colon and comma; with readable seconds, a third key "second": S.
{"hour": 2, "minute": 7}
